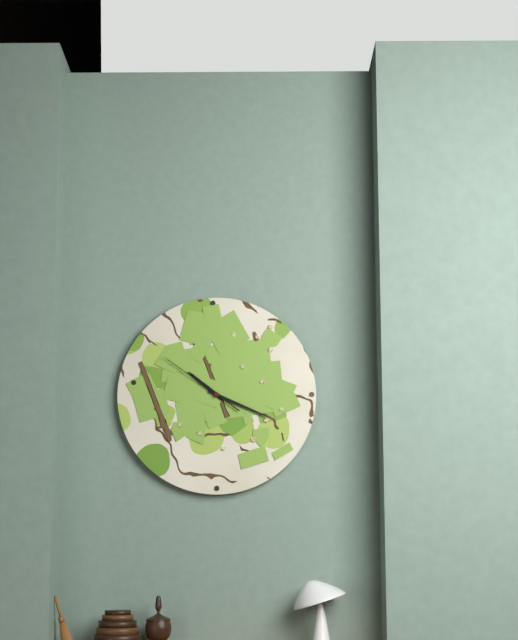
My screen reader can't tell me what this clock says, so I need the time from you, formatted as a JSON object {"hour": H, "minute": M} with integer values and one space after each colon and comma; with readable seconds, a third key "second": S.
{"hour": 10, "minute": 19, "second": 51}
